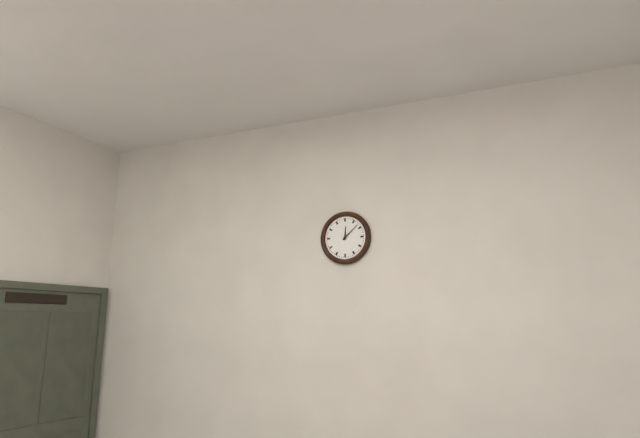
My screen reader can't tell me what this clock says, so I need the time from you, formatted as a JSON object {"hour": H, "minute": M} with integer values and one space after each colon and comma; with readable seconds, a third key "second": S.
{"hour": 12, "minute": 8}
